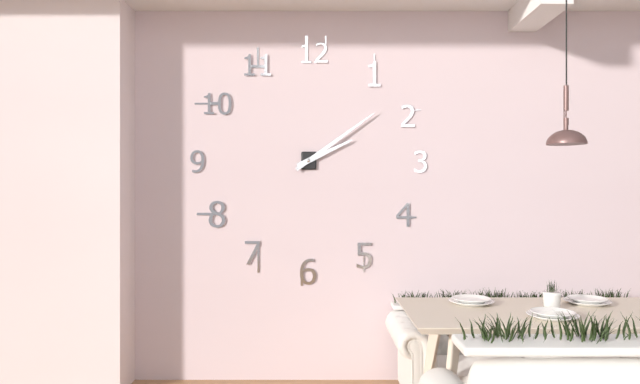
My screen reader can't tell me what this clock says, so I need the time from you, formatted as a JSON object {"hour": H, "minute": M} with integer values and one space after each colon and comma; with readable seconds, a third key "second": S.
{"hour": 2, "minute": 9}
